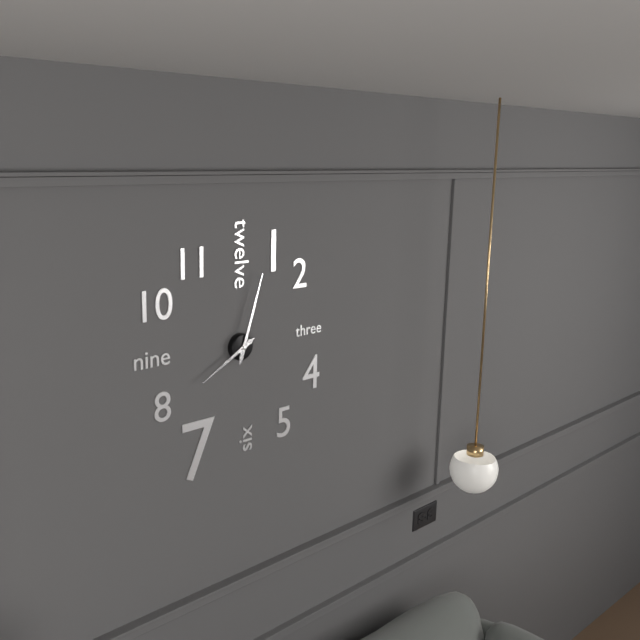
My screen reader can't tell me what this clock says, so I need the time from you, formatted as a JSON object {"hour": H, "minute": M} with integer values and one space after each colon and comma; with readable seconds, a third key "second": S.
{"hour": 8, "minute": 3}
